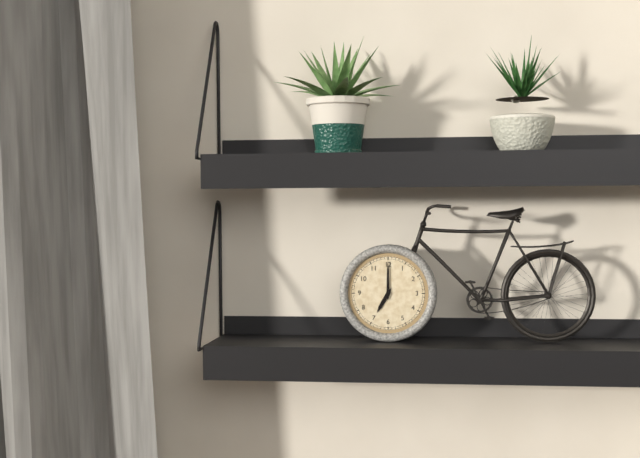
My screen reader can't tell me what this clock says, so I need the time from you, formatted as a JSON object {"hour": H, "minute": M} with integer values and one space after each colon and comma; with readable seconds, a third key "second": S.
{"hour": 7, "minute": 0}
